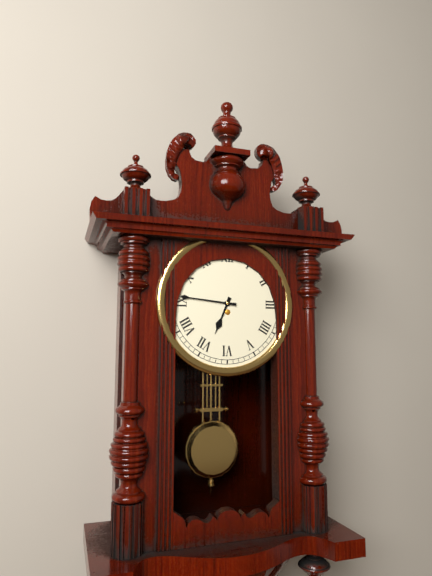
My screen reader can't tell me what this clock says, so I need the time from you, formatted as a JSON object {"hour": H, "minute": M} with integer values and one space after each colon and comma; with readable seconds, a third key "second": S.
{"hour": 6, "minute": 46}
